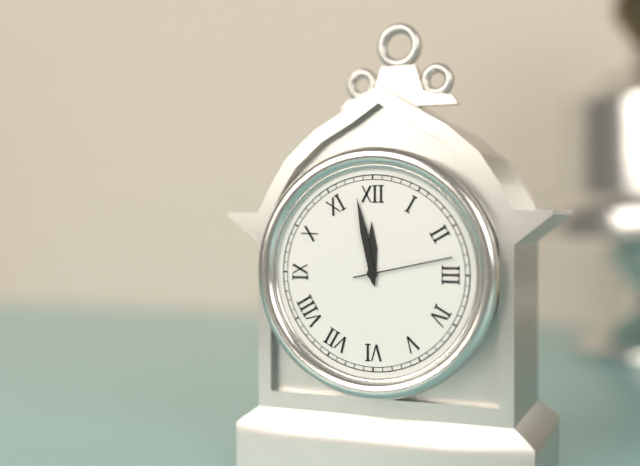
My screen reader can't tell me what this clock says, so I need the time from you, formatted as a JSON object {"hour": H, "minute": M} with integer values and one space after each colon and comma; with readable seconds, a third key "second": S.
{"hour": 11, "minute": 58, "second": 13}
